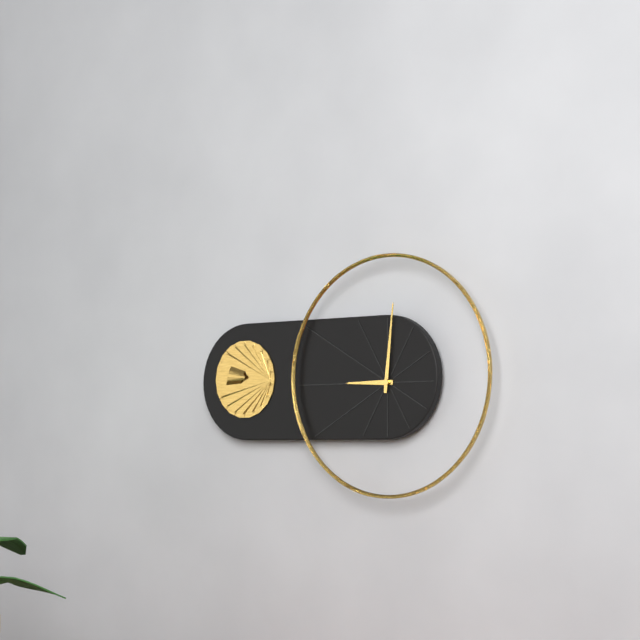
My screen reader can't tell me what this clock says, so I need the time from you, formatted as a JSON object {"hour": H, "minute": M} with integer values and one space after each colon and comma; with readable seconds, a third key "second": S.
{"hour": 9, "minute": 1}
